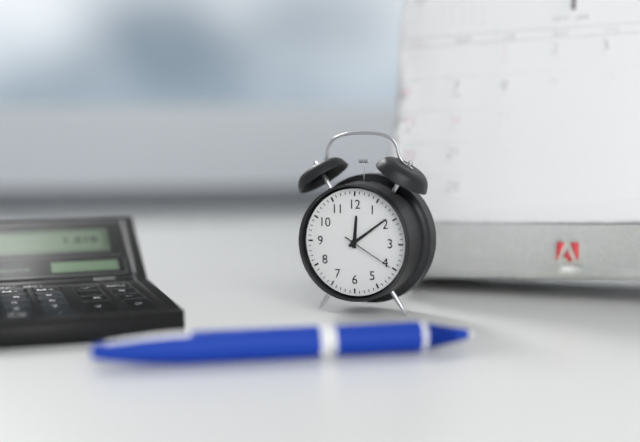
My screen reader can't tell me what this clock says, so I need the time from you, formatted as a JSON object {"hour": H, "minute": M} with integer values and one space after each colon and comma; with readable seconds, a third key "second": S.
{"hour": 12, "minute": 9, "second": 20}
